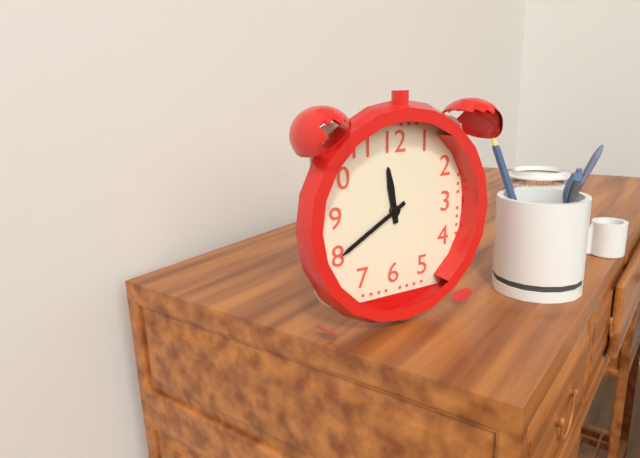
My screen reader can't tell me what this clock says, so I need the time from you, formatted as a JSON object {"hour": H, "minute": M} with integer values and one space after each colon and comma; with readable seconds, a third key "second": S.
{"hour": 11, "minute": 40}
